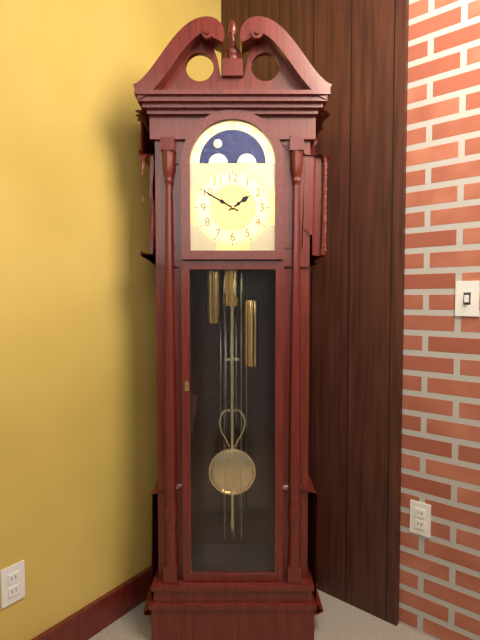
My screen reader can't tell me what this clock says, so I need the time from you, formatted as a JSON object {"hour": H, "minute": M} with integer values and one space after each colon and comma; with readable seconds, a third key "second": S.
{"hour": 1, "minute": 50}
